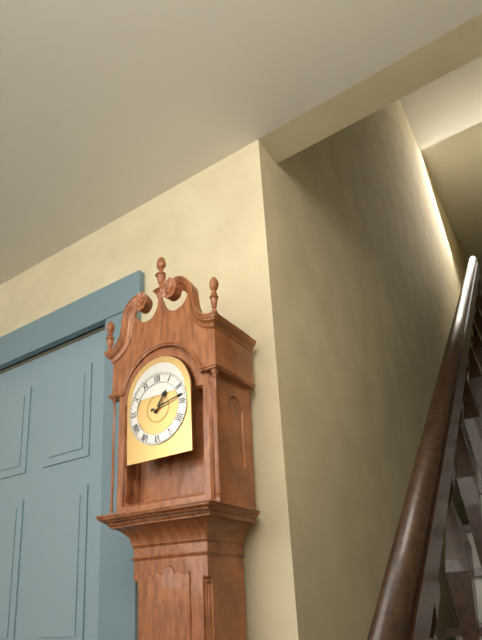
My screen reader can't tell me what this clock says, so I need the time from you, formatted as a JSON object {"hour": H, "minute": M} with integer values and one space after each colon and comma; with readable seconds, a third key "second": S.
{"hour": 1, "minute": 13}
